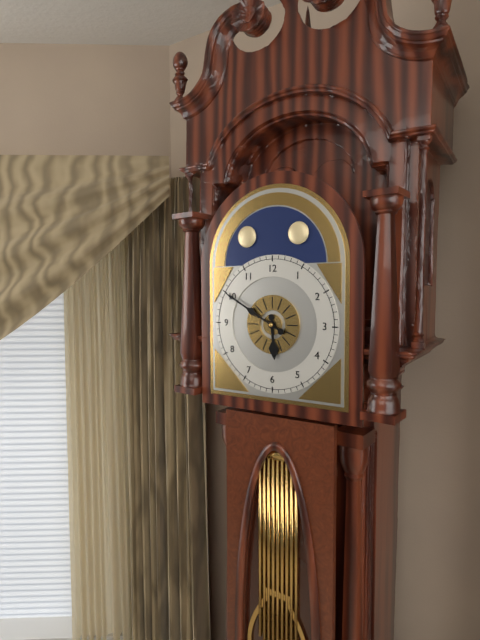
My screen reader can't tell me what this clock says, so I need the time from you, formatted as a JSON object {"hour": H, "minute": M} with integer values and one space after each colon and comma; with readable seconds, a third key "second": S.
{"hour": 5, "minute": 50}
